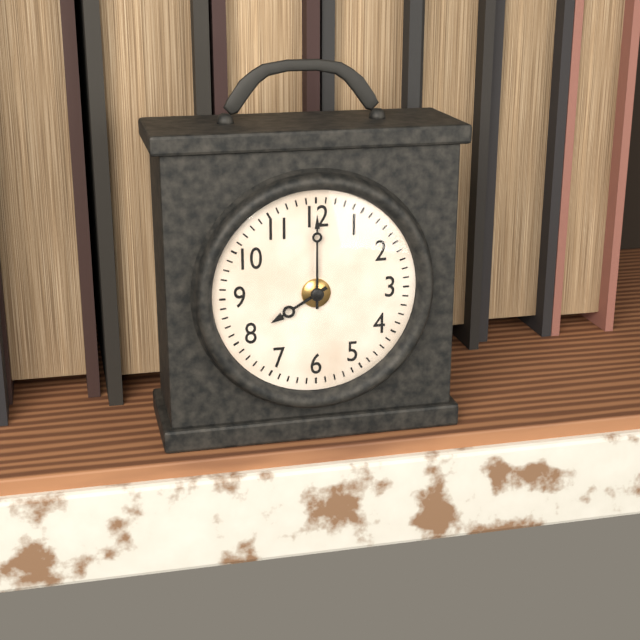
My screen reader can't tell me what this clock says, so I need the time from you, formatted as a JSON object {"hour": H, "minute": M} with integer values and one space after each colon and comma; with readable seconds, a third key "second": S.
{"hour": 8, "minute": 0}
